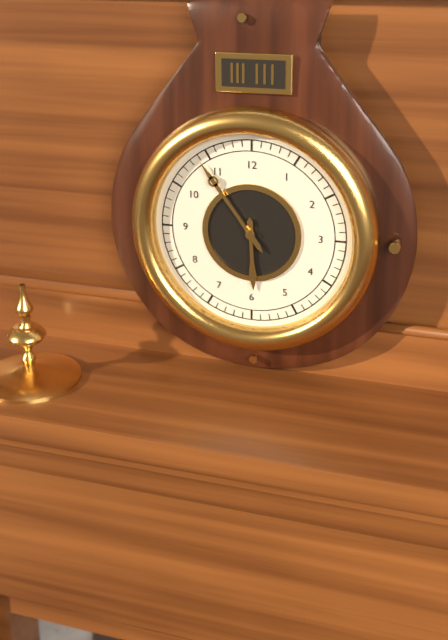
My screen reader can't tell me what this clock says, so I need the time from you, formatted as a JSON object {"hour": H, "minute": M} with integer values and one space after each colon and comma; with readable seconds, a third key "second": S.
{"hour": 5, "minute": 54}
